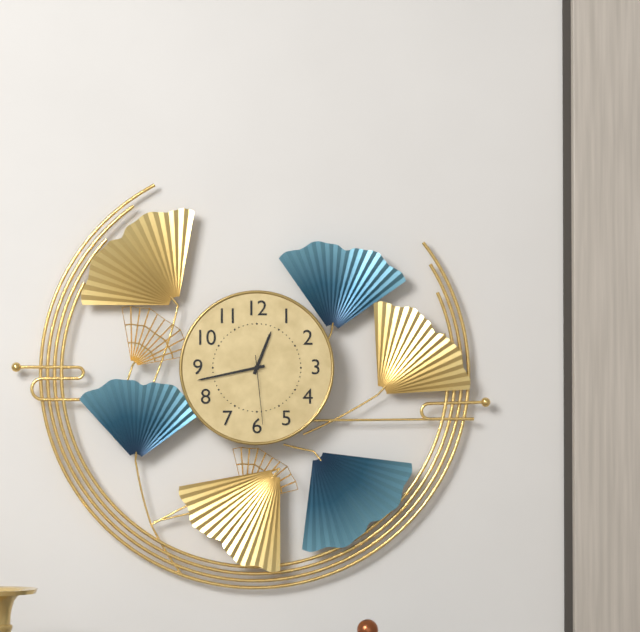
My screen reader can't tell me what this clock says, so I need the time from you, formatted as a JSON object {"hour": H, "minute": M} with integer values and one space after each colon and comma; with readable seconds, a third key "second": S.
{"hour": 12, "minute": 43, "second": 29}
